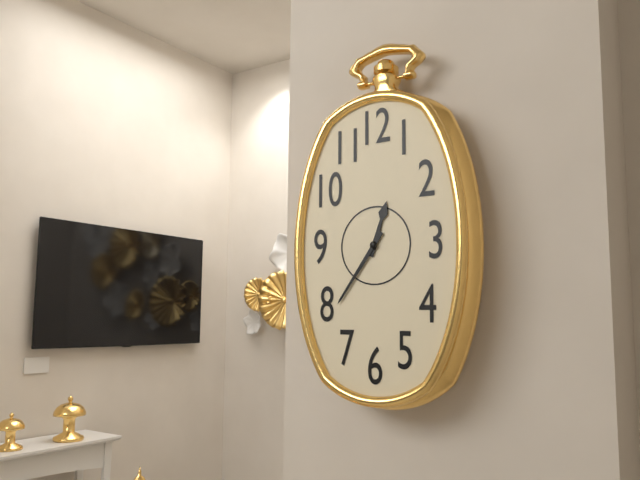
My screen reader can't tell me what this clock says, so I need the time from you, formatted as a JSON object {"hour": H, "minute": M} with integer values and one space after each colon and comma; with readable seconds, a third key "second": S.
{"hour": 12, "minute": 36}
